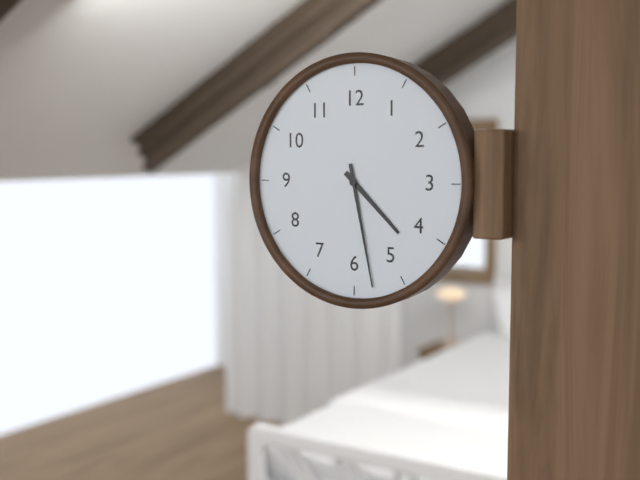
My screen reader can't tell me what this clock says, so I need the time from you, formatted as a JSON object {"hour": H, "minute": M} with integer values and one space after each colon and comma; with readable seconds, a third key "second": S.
{"hour": 4, "minute": 28}
